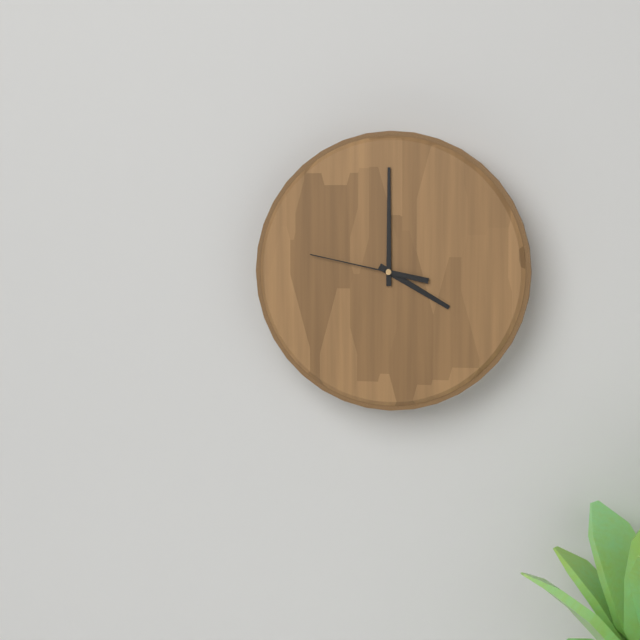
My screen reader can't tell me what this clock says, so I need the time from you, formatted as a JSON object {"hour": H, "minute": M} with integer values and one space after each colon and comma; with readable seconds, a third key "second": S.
{"hour": 4, "minute": 0, "second": 47}
